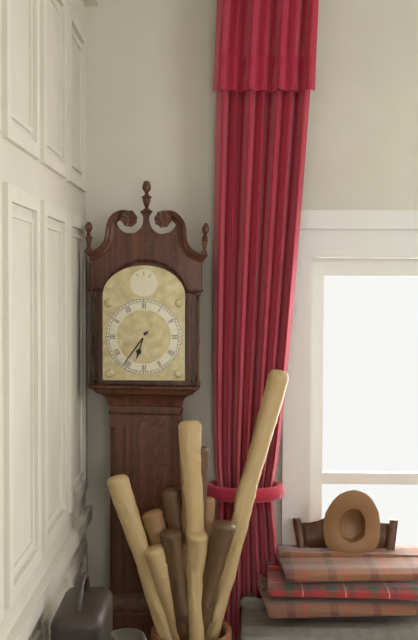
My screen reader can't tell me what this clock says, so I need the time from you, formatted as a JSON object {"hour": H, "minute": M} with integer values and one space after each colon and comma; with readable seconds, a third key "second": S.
{"hour": 6, "minute": 36}
